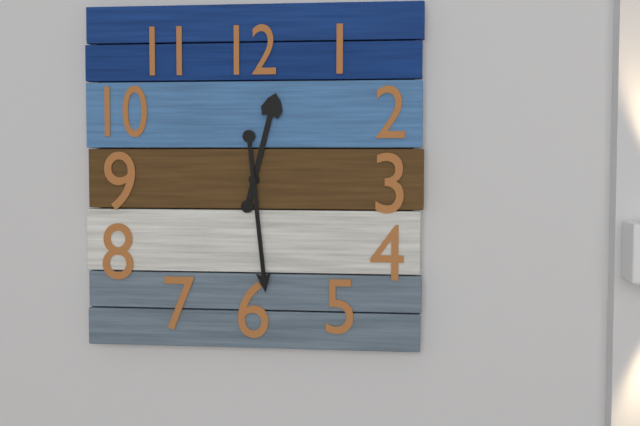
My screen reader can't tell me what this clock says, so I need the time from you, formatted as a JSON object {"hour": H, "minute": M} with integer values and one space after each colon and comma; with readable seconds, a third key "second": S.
{"hour": 12, "minute": 29}
